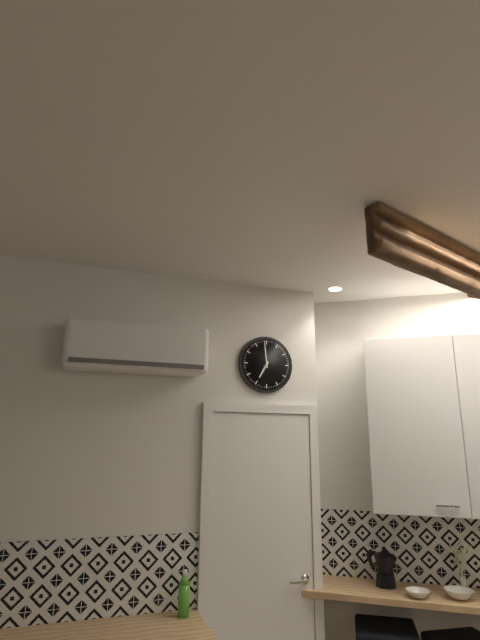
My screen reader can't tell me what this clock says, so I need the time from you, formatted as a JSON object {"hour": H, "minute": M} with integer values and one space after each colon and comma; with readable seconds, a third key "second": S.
{"hour": 6, "minute": 59}
